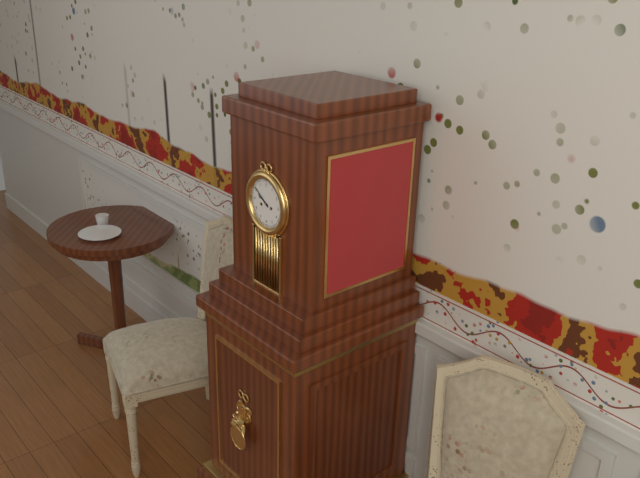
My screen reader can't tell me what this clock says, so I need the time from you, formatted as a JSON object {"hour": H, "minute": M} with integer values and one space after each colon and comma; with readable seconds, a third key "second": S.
{"hour": 9, "minute": 51}
